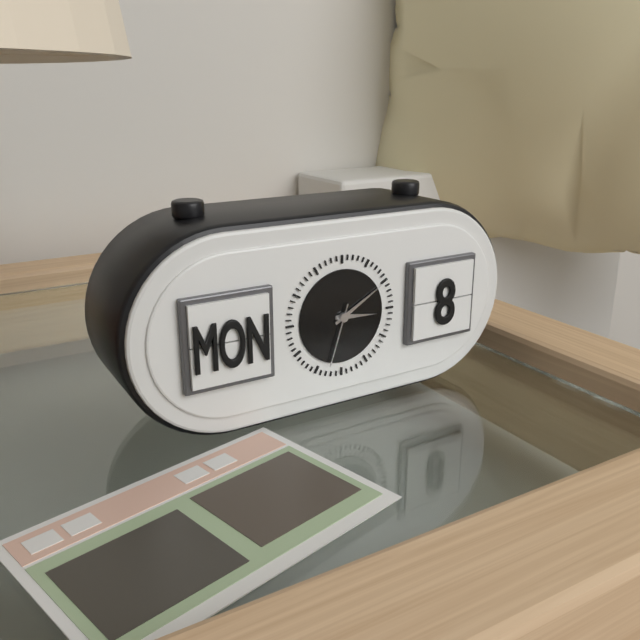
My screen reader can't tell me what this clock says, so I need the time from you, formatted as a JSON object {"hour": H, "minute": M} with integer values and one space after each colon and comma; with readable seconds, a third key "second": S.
{"hour": 3, "minute": 10, "second": 33}
